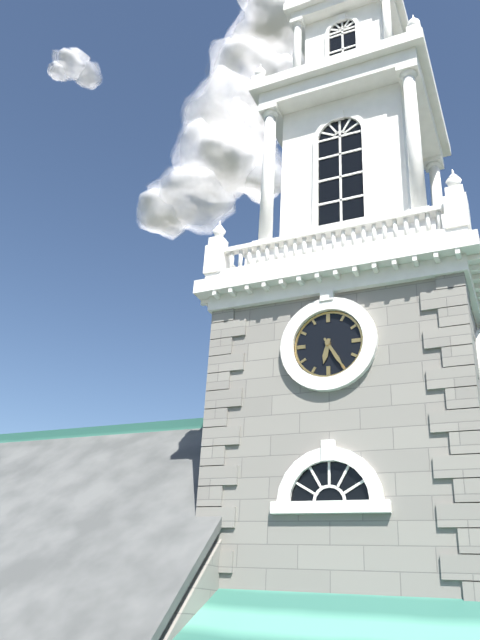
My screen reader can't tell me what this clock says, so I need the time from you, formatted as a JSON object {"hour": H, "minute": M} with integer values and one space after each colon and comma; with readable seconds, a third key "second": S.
{"hour": 6, "minute": 25}
